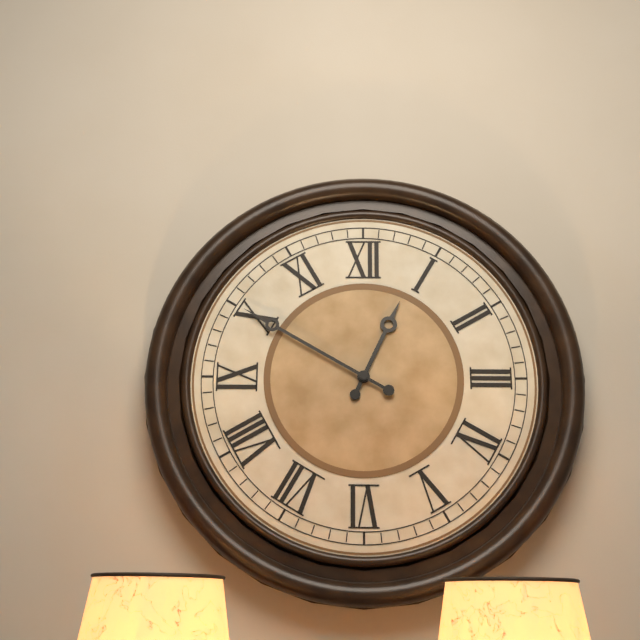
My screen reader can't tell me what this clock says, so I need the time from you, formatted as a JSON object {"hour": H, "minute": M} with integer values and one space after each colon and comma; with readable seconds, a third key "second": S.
{"hour": 12, "minute": 50}
